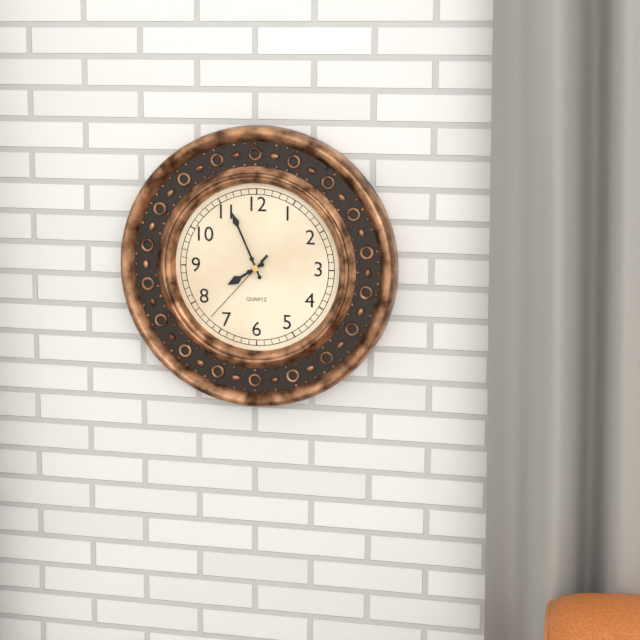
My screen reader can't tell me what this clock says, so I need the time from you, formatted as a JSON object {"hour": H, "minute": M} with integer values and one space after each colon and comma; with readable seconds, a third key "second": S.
{"hour": 7, "minute": 56, "second": 37}
